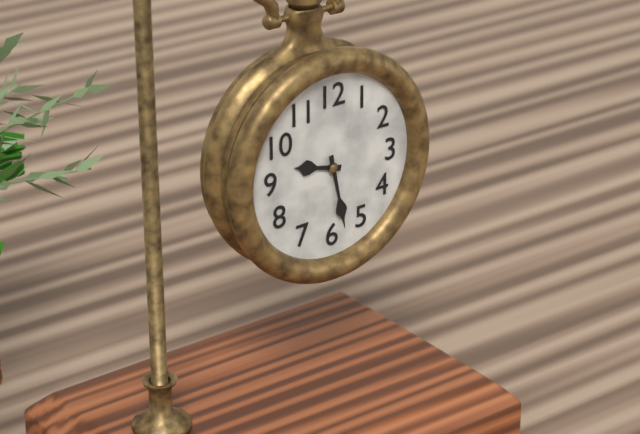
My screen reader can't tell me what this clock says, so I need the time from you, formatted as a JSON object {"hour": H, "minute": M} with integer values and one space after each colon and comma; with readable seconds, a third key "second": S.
{"hour": 9, "minute": 28}
